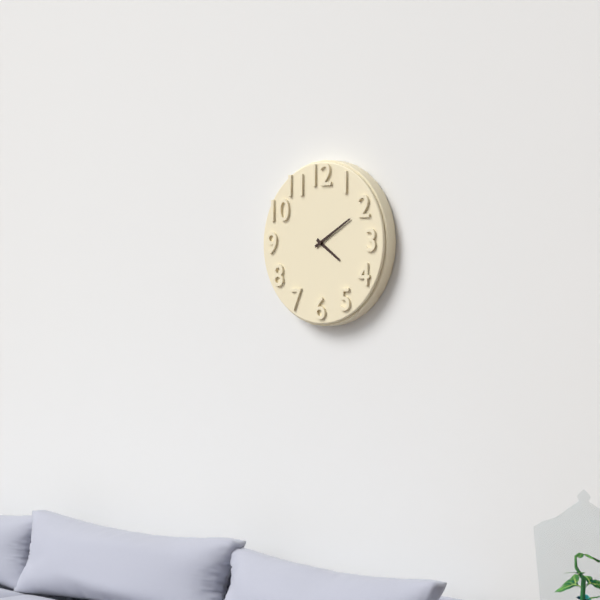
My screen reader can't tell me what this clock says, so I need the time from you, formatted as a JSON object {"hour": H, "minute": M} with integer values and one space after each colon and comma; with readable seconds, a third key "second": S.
{"hour": 4, "minute": 10}
